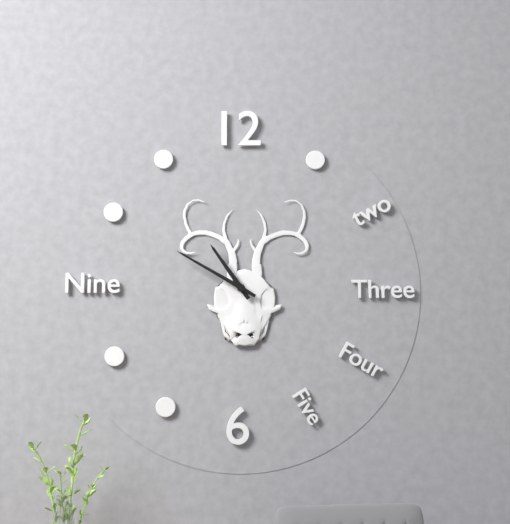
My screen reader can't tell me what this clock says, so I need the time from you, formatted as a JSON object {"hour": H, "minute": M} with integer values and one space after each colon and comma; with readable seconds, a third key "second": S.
{"hour": 10, "minute": 50}
